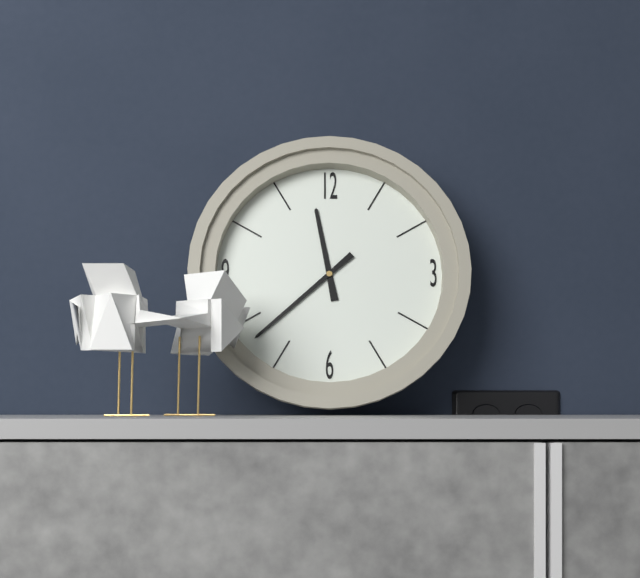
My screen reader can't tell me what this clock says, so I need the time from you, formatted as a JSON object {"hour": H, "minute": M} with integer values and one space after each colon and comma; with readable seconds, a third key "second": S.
{"hour": 11, "minute": 38}
